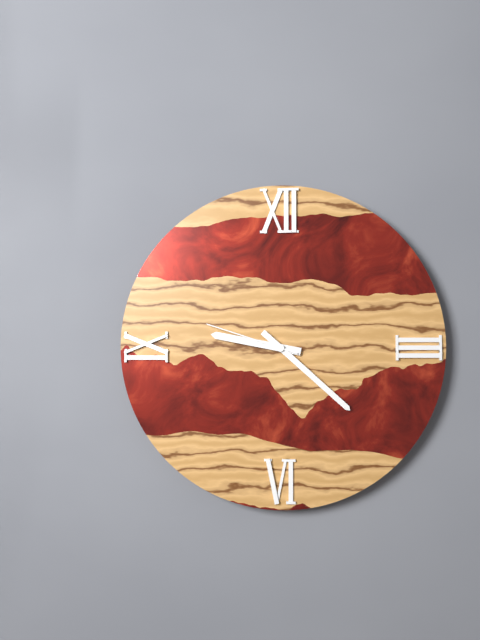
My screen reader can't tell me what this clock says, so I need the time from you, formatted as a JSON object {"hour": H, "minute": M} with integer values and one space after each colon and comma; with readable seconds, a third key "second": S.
{"hour": 9, "minute": 22, "second": 48}
